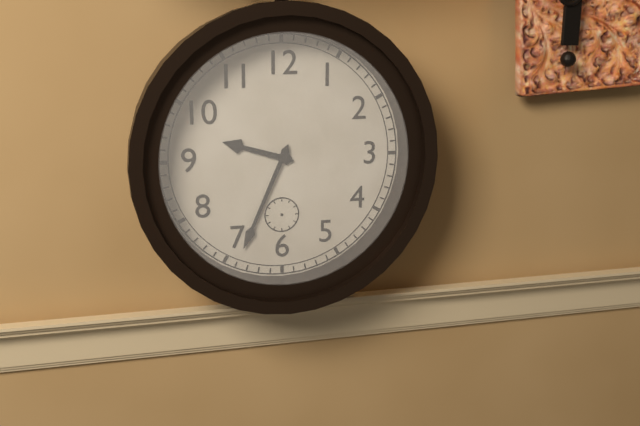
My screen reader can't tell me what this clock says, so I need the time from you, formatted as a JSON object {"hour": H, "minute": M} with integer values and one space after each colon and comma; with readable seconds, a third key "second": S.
{"hour": 9, "minute": 34}
